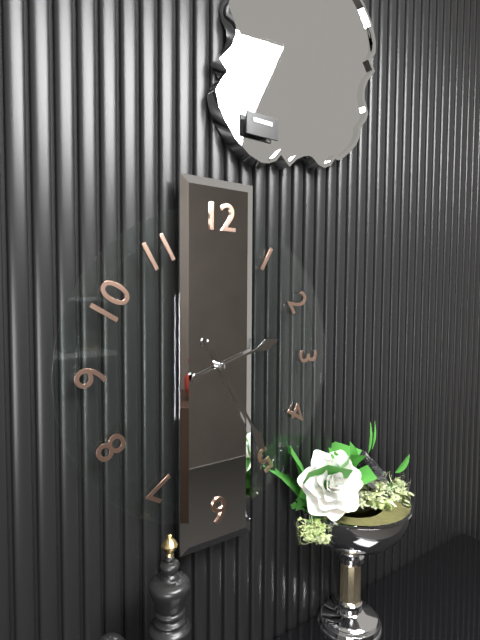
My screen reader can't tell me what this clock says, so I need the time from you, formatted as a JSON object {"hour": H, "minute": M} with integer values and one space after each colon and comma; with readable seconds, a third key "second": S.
{"hour": 2, "minute": 25}
